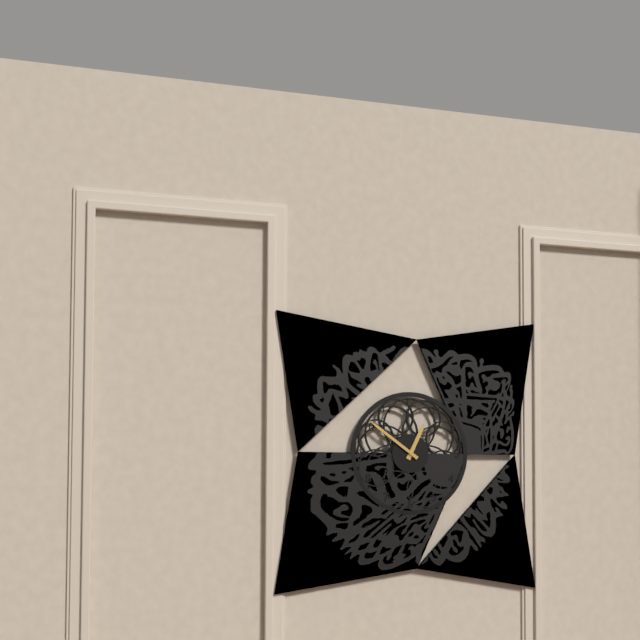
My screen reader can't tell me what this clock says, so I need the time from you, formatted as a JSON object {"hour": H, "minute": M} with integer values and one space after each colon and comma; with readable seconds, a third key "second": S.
{"hour": 12, "minute": 51}
